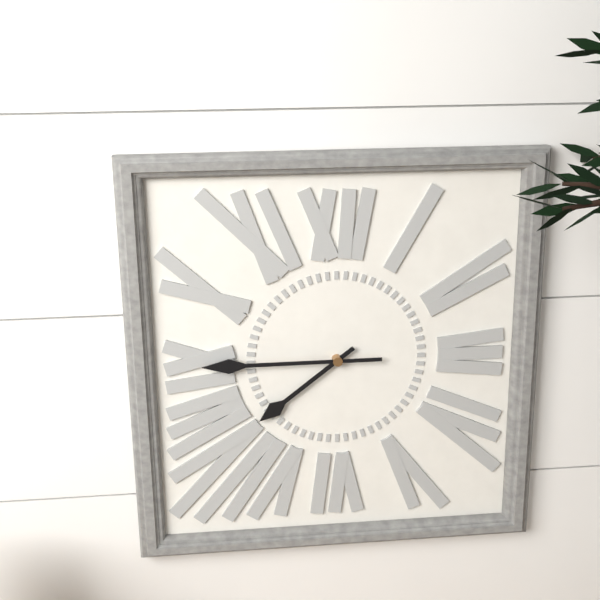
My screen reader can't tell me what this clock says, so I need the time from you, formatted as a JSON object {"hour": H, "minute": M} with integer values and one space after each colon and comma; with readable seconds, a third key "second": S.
{"hour": 7, "minute": 45}
